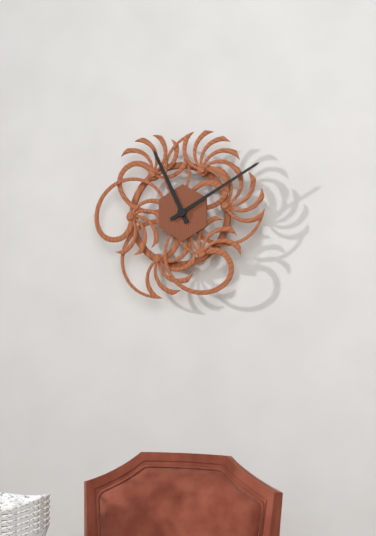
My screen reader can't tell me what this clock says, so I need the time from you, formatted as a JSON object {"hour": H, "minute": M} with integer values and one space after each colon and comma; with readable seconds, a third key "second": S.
{"hour": 11, "minute": 10}
